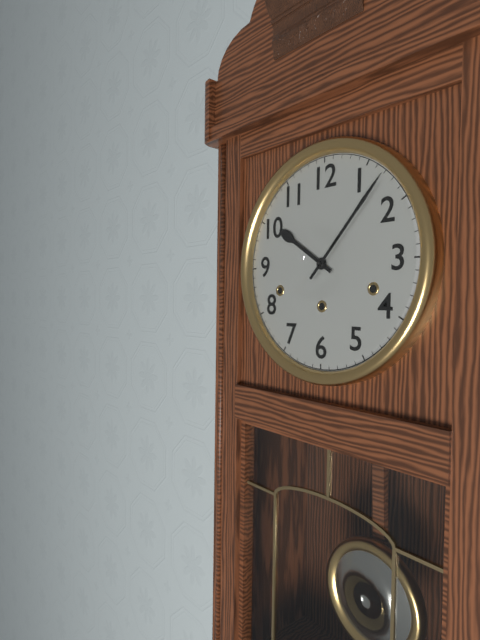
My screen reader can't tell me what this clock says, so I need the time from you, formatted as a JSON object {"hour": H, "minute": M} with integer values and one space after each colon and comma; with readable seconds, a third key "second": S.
{"hour": 10, "minute": 7}
